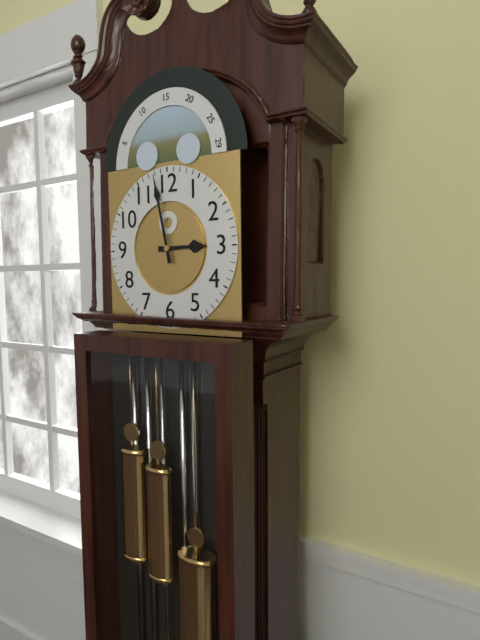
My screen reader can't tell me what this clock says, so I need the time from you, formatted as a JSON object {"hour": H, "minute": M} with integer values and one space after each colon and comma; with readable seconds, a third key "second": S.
{"hour": 2, "minute": 58}
